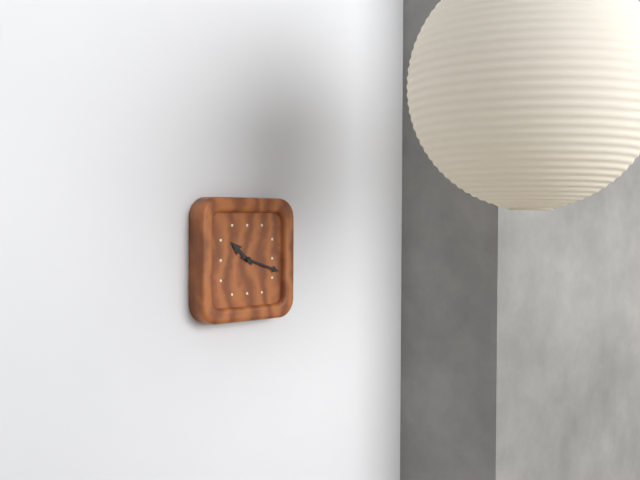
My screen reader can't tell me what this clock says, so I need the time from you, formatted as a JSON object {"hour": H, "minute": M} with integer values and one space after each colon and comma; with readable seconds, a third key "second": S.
{"hour": 10, "minute": 18}
